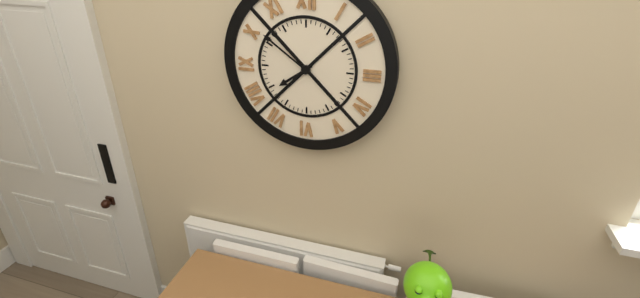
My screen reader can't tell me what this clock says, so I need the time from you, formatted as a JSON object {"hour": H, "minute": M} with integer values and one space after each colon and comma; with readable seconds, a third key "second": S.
{"hour": 7, "minute": 51}
